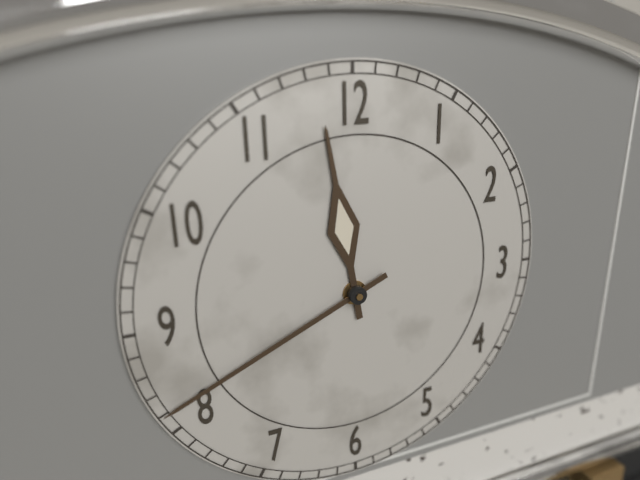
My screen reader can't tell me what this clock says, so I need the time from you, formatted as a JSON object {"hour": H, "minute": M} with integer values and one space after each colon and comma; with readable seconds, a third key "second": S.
{"hour": 11, "minute": 41}
